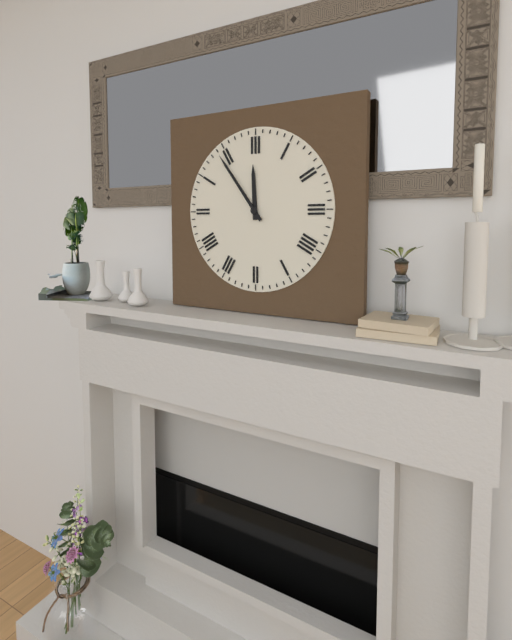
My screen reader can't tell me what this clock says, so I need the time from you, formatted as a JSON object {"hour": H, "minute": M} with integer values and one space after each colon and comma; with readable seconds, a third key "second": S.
{"hour": 11, "minute": 54}
